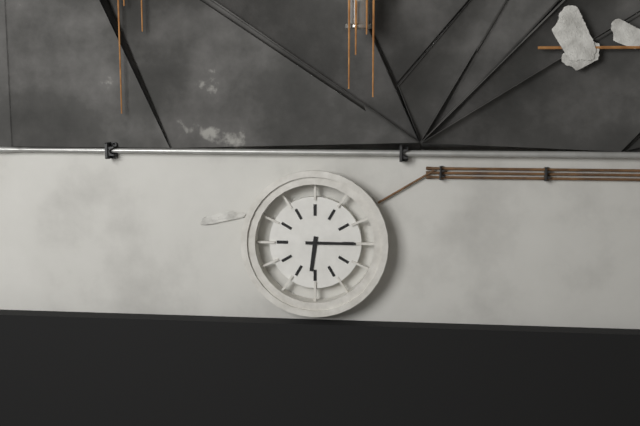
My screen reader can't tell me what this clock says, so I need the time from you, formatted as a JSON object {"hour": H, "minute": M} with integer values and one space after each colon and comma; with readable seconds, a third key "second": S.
{"hour": 6, "minute": 15}
